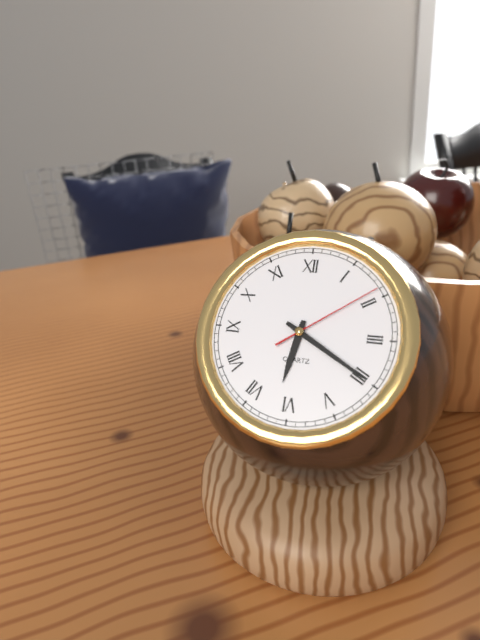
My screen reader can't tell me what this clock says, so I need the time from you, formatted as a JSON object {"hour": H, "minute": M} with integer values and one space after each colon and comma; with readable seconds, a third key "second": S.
{"hour": 6, "minute": 20, "second": 9}
